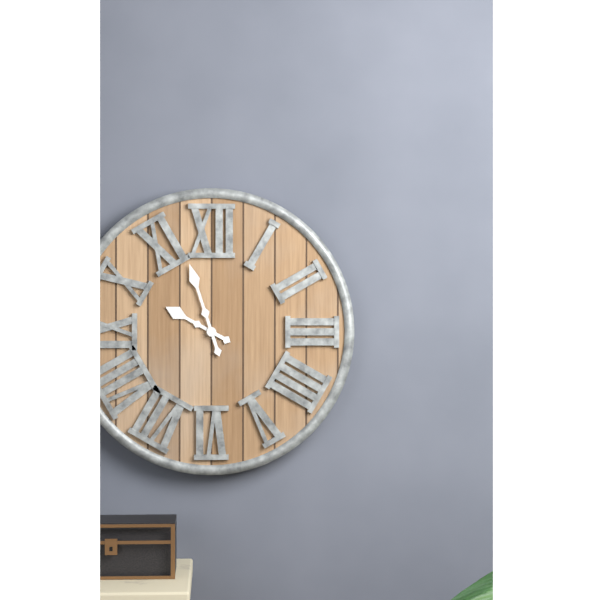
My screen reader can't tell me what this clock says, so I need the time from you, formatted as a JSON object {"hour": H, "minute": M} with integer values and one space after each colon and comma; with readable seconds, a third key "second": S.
{"hour": 9, "minute": 57}
